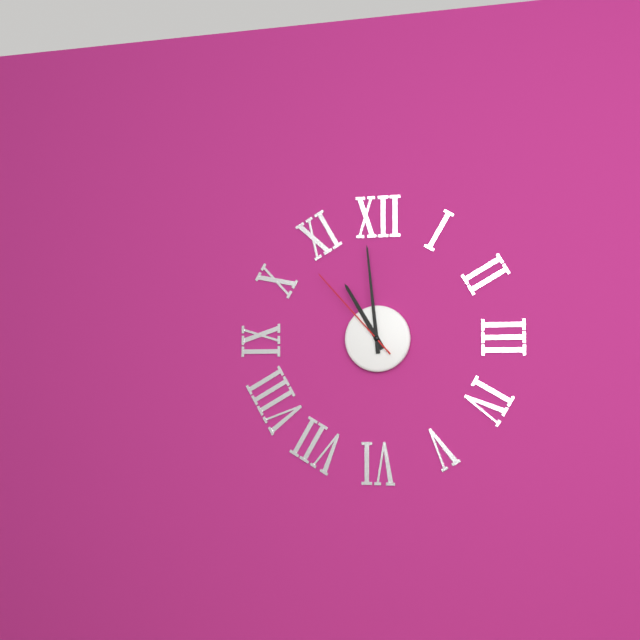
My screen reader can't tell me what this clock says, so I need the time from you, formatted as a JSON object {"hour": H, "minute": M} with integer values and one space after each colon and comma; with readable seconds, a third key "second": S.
{"hour": 10, "minute": 59, "second": 53}
